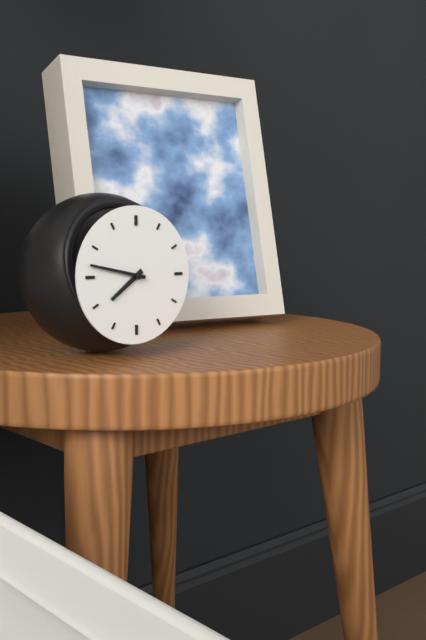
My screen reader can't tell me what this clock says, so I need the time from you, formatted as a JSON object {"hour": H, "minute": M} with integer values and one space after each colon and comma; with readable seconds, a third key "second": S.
{"hour": 7, "minute": 47}
